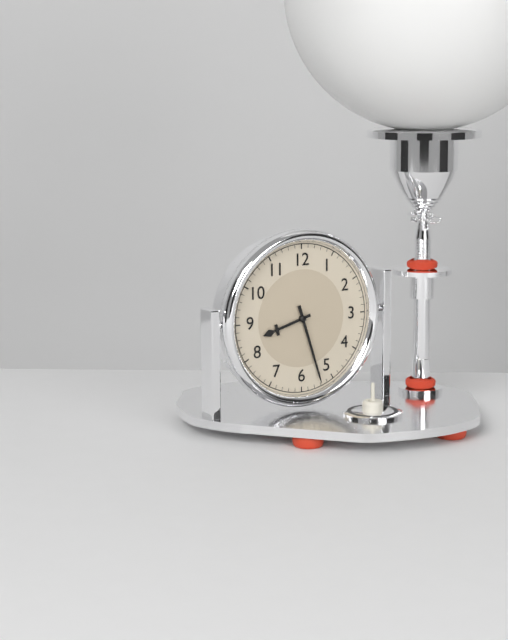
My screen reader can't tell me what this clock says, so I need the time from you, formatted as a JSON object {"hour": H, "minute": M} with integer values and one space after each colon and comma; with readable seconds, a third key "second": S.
{"hour": 8, "minute": 27}
